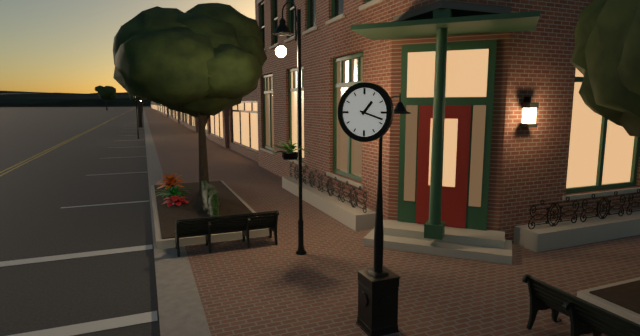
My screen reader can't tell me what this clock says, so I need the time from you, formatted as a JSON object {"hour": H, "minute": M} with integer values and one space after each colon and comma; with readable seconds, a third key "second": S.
{"hour": 1, "minute": 18}
